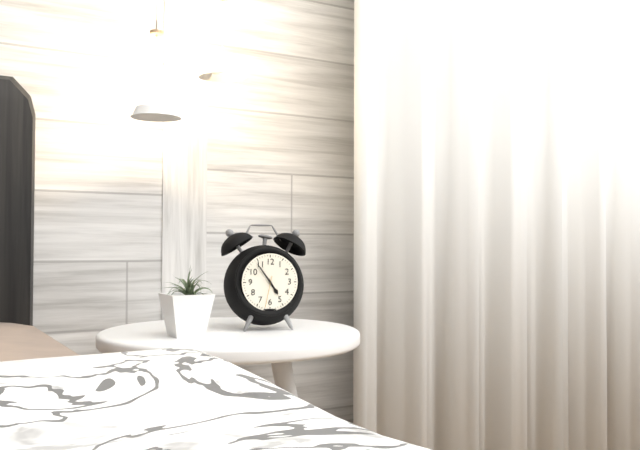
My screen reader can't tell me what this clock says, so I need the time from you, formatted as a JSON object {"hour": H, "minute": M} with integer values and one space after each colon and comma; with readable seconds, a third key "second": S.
{"hour": 4, "minute": 54}
